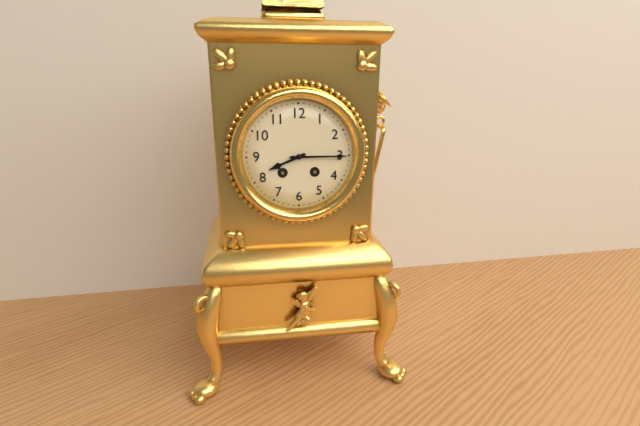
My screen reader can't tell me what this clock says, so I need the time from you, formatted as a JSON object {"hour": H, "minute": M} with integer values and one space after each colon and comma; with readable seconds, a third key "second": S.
{"hour": 8, "minute": 15}
